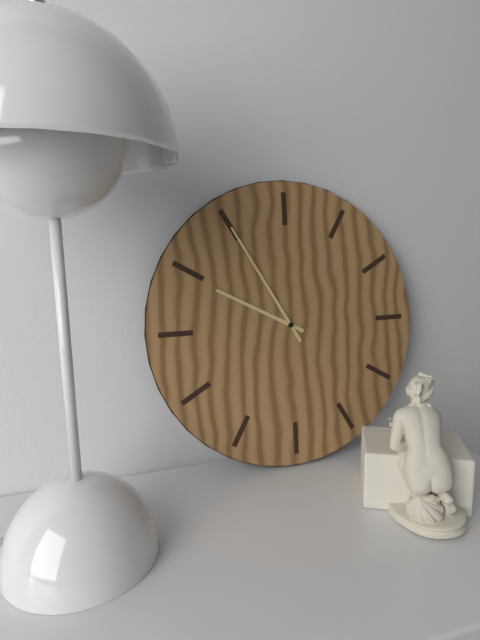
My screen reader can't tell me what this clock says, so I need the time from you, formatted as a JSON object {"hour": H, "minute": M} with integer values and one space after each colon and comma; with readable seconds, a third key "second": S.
{"hour": 9, "minute": 55}
